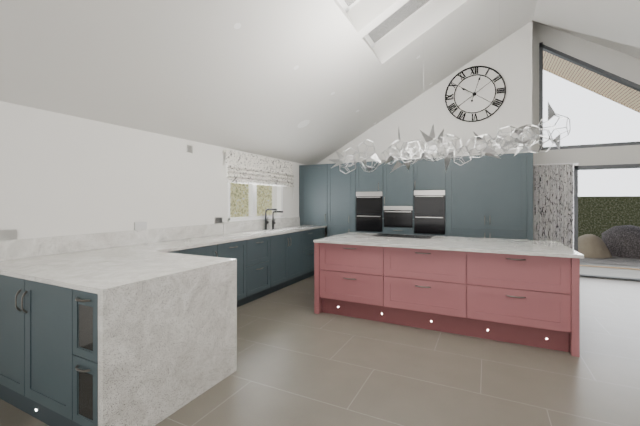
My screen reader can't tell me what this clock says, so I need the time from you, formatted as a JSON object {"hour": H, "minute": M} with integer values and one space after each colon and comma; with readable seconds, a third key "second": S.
{"hour": 10, "minute": 3}
